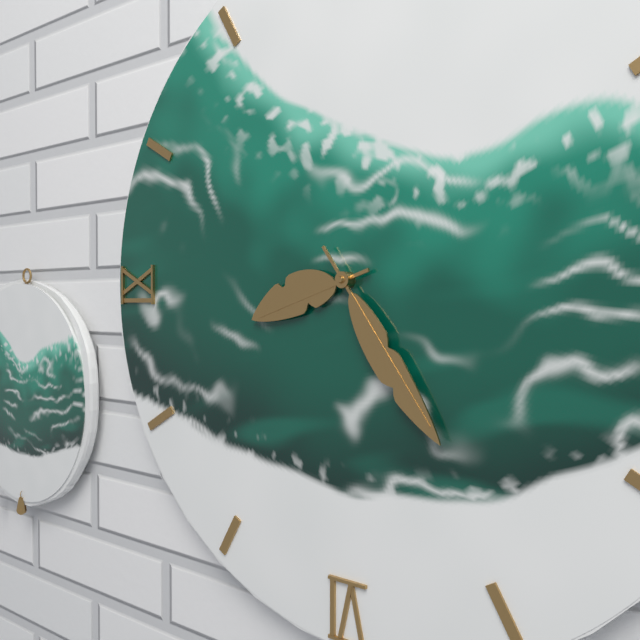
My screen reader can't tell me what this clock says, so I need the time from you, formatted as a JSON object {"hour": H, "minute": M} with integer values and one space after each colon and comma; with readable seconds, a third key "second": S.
{"hour": 8, "minute": 24}
